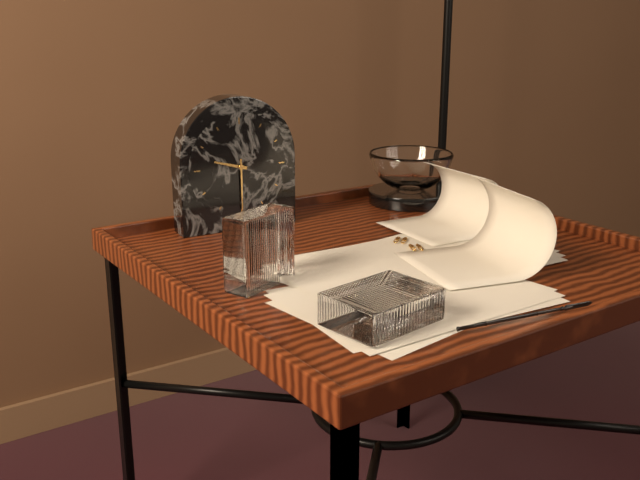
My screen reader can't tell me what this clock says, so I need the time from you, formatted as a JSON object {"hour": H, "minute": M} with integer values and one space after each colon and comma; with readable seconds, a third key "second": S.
{"hour": 9, "minute": 30}
